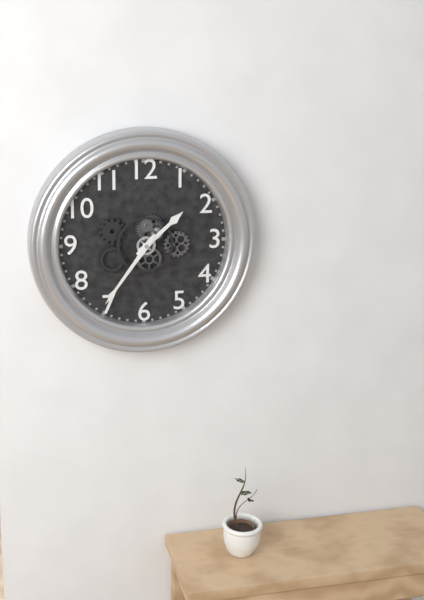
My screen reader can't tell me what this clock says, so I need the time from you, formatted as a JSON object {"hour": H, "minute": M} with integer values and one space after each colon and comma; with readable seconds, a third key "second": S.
{"hour": 1, "minute": 36}
